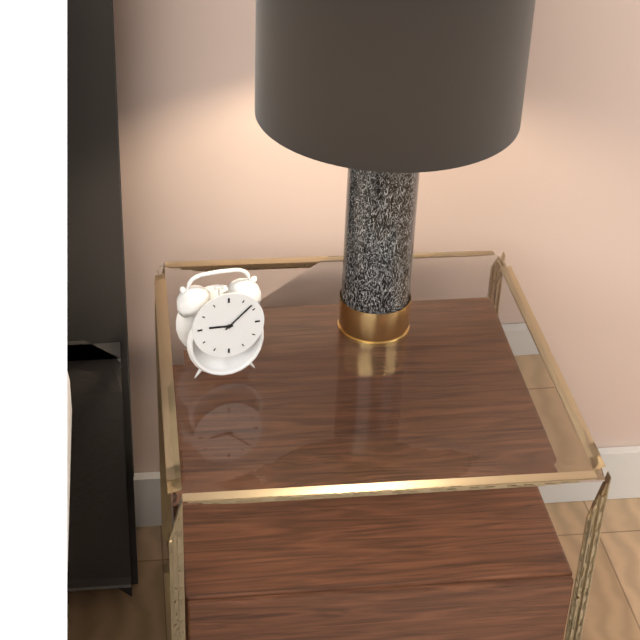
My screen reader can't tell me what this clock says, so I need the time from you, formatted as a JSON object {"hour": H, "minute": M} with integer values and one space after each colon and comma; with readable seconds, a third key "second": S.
{"hour": 9, "minute": 8}
